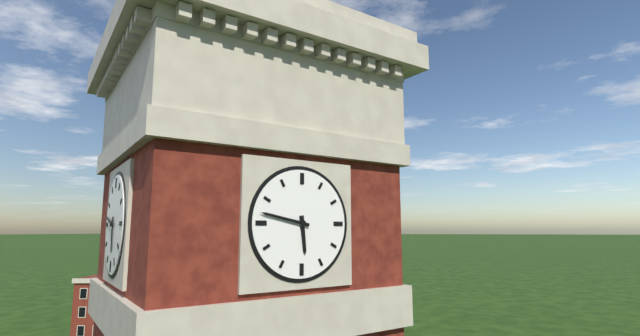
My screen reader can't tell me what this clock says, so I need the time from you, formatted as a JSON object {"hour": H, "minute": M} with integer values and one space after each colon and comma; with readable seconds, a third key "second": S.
{"hour": 5, "minute": 47}
